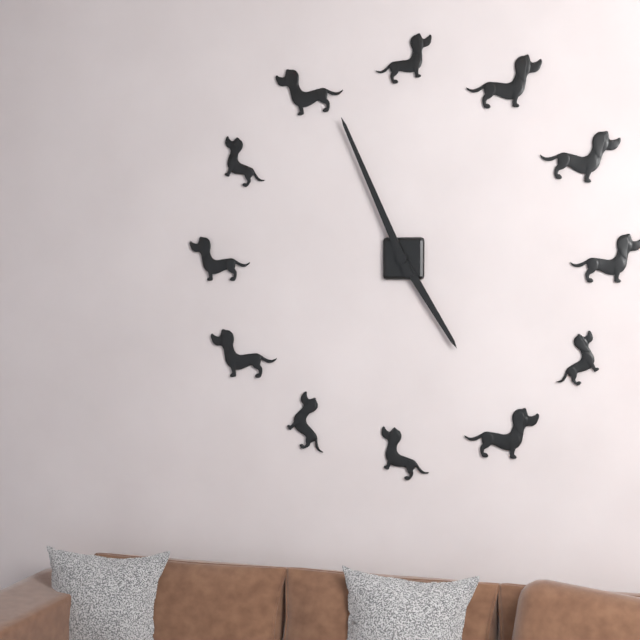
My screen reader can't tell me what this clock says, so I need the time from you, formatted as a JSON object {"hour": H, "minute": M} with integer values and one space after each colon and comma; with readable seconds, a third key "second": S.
{"hour": 4, "minute": 56}
